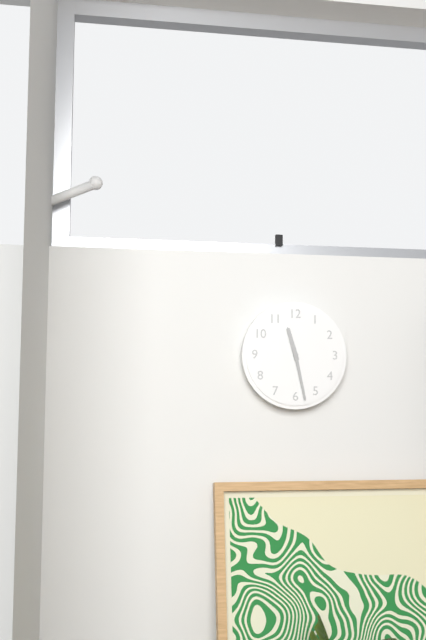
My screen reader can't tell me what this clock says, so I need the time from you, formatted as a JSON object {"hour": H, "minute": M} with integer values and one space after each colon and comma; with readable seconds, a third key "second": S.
{"hour": 11, "minute": 28}
